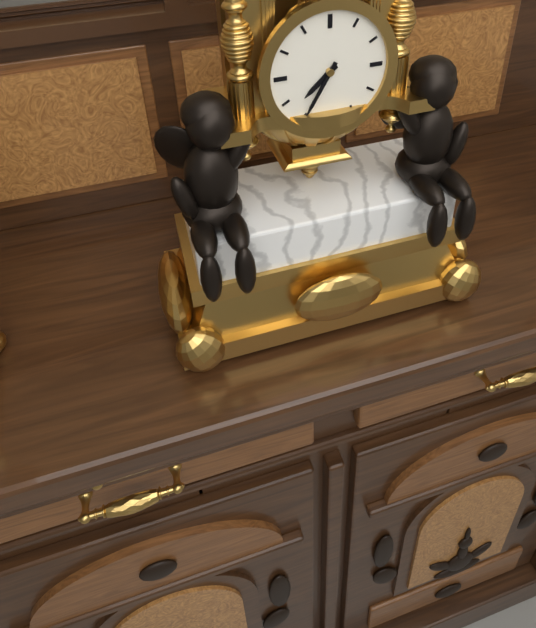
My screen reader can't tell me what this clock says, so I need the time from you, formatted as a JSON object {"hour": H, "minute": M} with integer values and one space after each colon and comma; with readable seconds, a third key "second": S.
{"hour": 7, "minute": 35}
